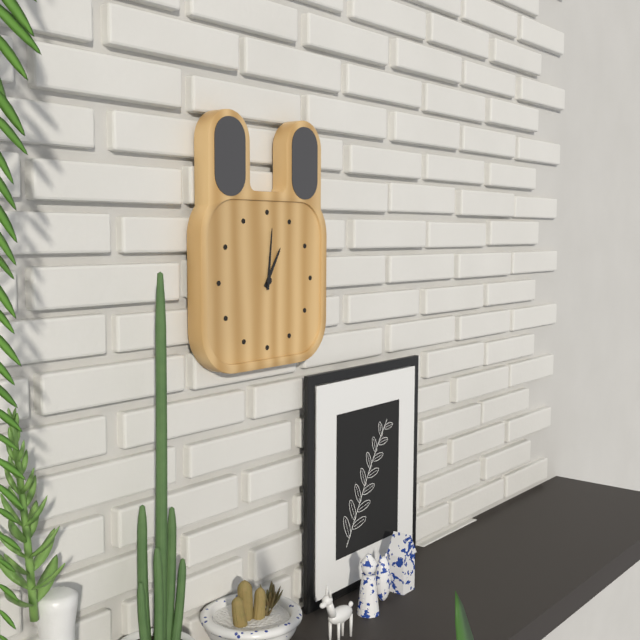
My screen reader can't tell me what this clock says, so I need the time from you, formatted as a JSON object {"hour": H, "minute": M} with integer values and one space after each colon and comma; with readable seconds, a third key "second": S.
{"hour": 1, "minute": 1}
